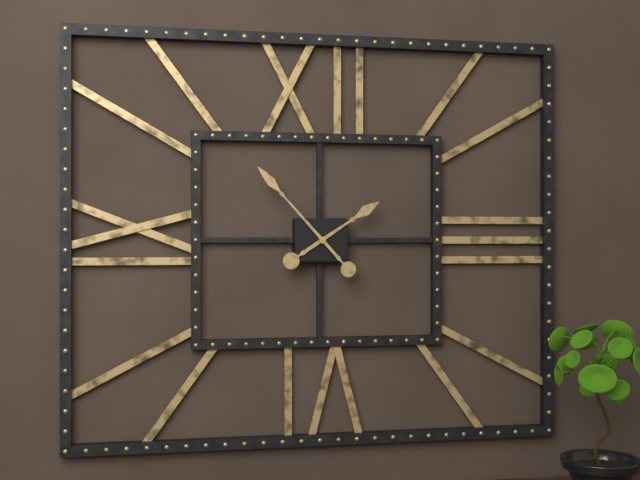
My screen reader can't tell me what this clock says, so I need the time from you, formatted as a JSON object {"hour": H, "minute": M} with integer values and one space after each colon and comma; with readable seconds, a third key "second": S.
{"hour": 1, "minute": 53}
